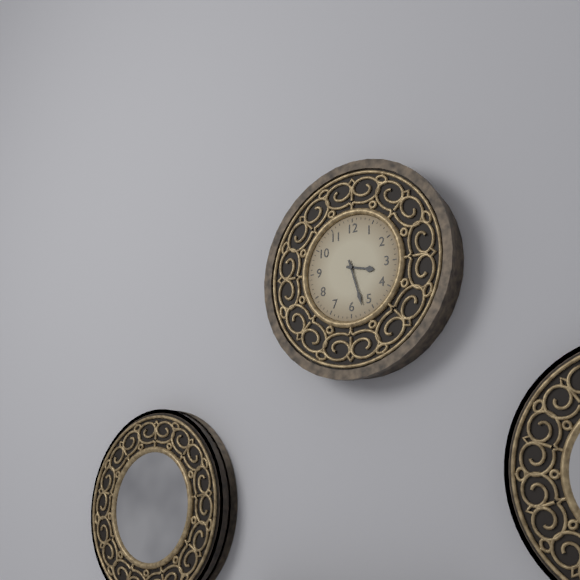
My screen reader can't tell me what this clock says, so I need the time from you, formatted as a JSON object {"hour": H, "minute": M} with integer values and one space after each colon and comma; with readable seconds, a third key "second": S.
{"hour": 3, "minute": 27}
